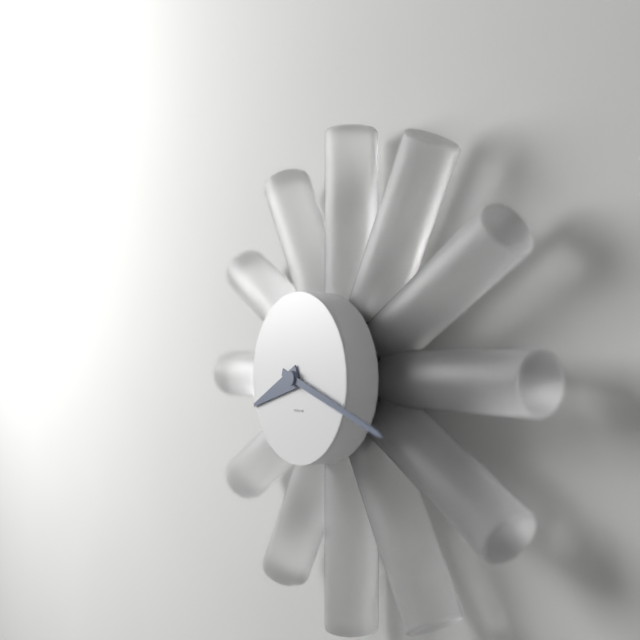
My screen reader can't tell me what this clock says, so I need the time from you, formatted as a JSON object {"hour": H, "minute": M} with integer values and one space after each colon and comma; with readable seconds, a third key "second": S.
{"hour": 8, "minute": 18}
